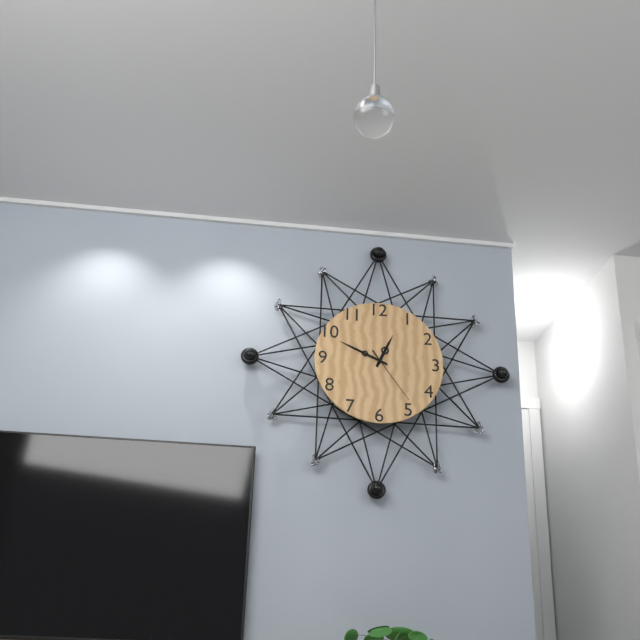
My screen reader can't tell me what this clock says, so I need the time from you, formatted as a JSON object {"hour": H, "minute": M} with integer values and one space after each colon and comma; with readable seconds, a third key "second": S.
{"hour": 12, "minute": 49, "second": 24}
